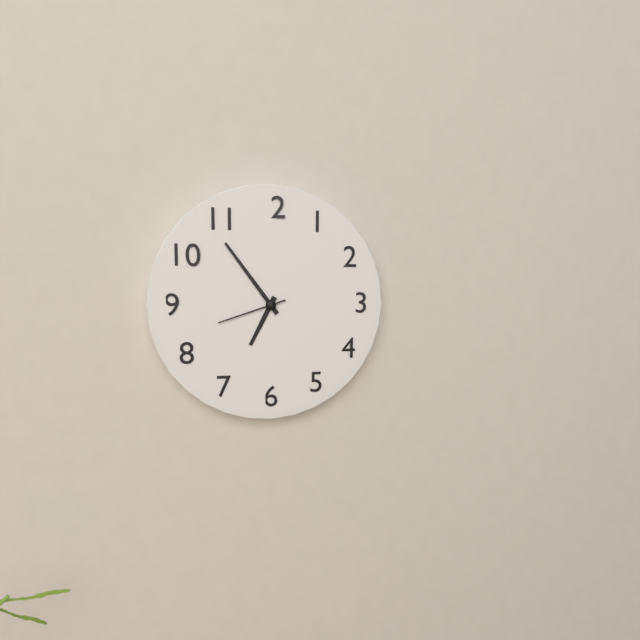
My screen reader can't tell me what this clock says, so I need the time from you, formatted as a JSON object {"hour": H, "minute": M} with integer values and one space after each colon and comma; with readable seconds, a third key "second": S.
{"hour": 6, "minute": 54, "second": 42}
